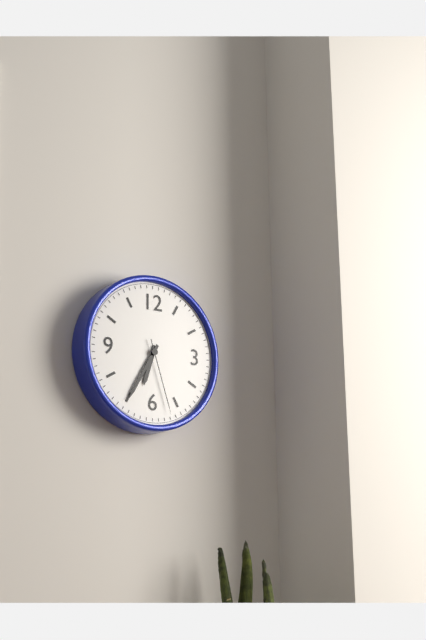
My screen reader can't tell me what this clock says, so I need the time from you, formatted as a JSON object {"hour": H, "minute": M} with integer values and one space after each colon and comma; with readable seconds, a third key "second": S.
{"hour": 6, "minute": 35, "second": 27}
